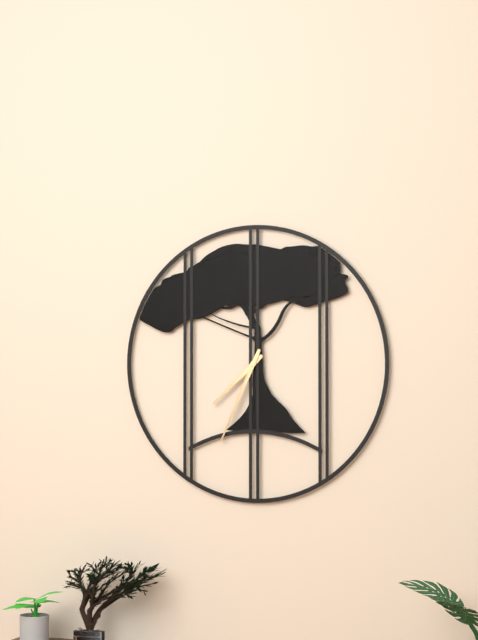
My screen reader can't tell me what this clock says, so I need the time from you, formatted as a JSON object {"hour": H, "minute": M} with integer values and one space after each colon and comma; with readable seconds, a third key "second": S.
{"hour": 7, "minute": 34}
